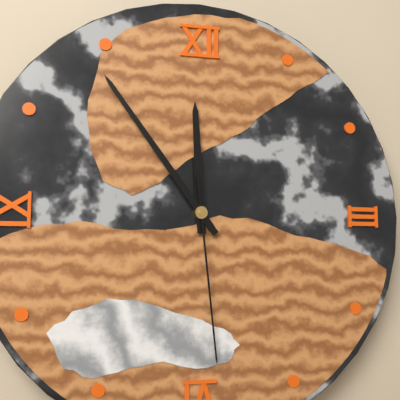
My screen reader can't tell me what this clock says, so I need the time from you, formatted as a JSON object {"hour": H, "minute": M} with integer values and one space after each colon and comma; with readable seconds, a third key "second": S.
{"hour": 11, "minute": 54, "second": 29}
